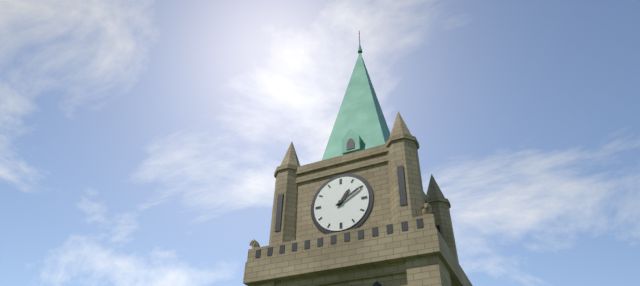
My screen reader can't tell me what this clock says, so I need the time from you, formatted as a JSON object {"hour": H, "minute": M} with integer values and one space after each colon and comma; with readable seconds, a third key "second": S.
{"hour": 1, "minute": 10}
